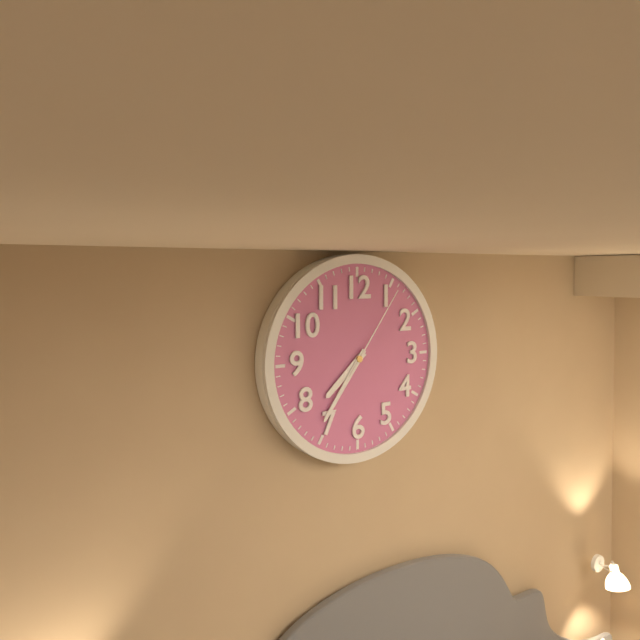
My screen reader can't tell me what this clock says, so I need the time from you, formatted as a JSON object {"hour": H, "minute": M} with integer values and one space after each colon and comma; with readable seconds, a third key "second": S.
{"hour": 7, "minute": 36, "second": 6}
